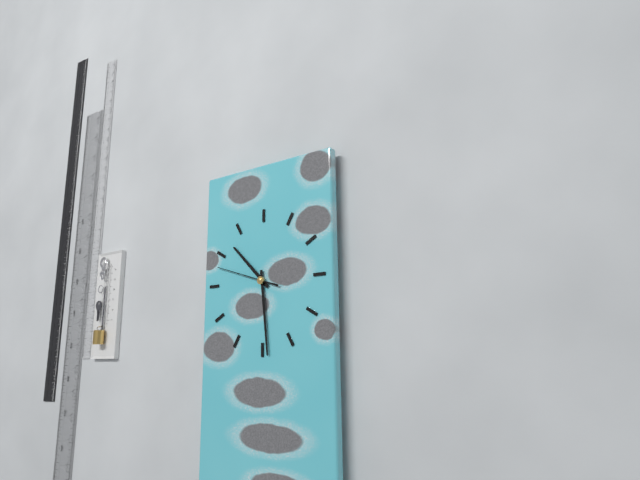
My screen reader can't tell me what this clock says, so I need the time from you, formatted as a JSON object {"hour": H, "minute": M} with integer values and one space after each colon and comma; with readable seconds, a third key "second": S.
{"hour": 10, "minute": 29, "second": 48}
